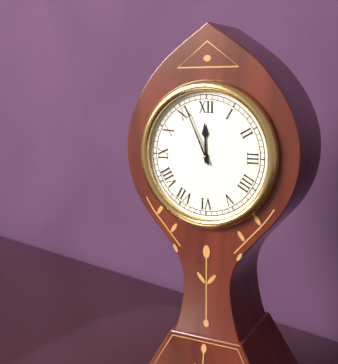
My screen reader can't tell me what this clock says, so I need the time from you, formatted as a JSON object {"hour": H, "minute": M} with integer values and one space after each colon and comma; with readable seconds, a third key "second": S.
{"hour": 11, "minute": 56}
